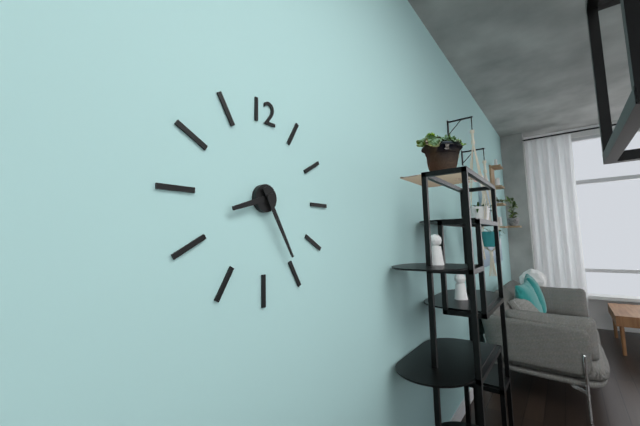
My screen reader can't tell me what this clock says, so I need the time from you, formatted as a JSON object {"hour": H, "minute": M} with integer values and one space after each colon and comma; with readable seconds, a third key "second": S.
{"hour": 8, "minute": 25}
